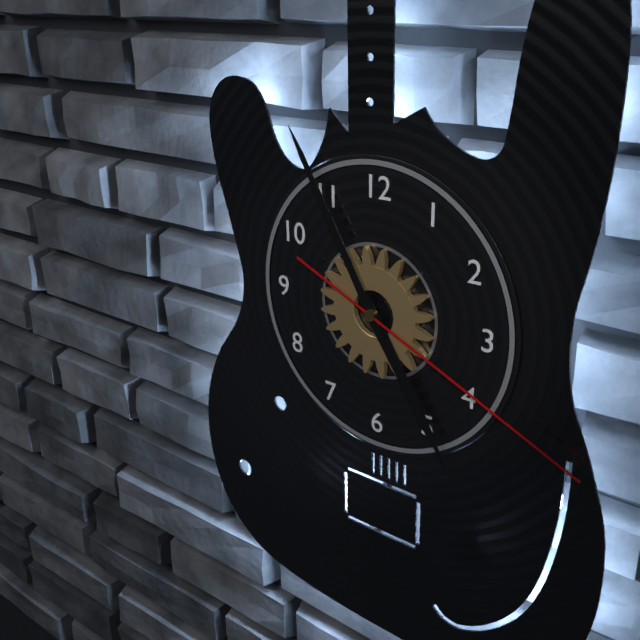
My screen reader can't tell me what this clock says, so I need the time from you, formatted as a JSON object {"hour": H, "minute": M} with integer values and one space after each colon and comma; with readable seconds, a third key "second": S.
{"hour": 4, "minute": 55, "second": 19}
